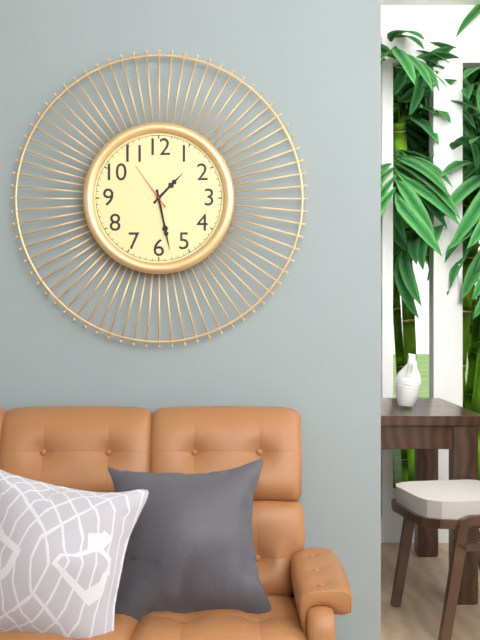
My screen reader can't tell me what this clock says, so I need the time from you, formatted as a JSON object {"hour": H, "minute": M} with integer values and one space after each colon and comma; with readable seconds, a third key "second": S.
{"hour": 1, "minute": 28, "second": 54}
